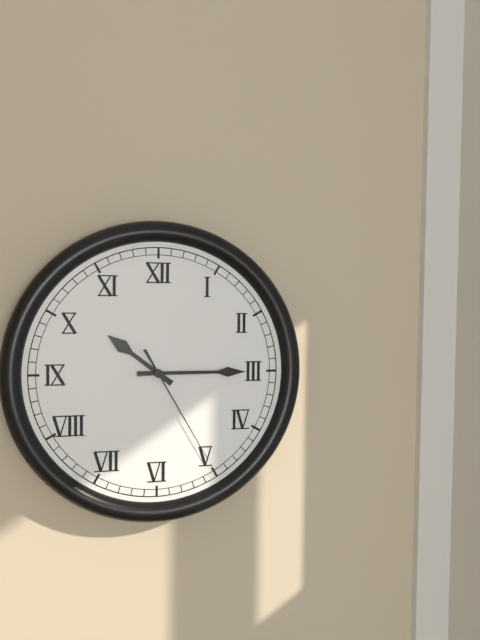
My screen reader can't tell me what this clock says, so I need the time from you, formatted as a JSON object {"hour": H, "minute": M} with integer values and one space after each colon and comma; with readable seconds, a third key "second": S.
{"hour": 10, "minute": 15, "second": 25}
